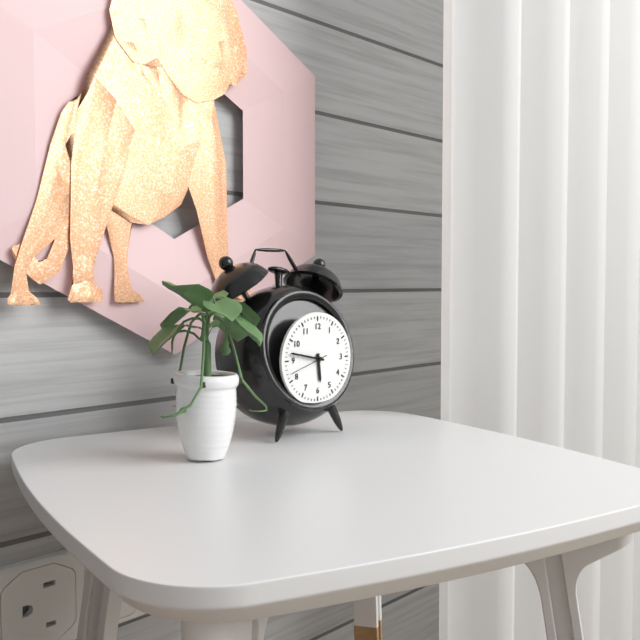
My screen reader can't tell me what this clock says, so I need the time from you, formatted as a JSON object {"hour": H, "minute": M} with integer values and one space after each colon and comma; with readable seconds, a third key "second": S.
{"hour": 5, "minute": 47}
